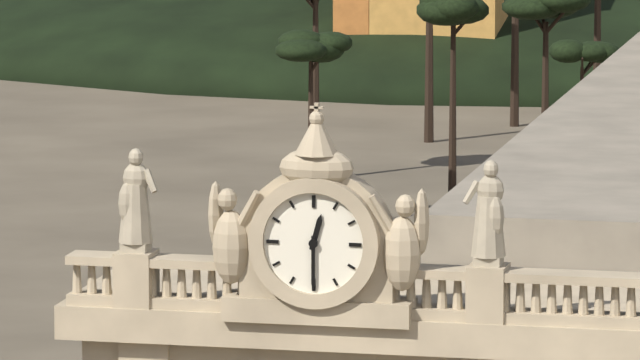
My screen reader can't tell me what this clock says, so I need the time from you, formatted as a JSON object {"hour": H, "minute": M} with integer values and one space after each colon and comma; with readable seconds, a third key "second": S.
{"hour": 12, "minute": 30}
